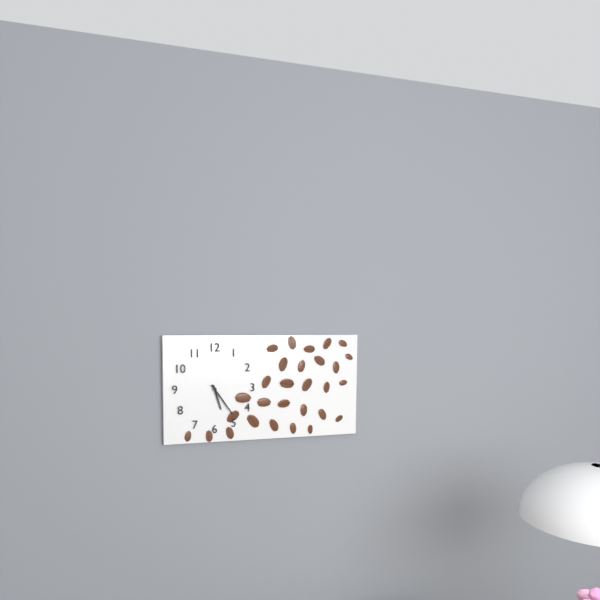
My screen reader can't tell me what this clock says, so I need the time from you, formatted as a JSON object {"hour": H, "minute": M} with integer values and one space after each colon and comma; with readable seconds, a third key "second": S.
{"hour": 5, "minute": 24}
